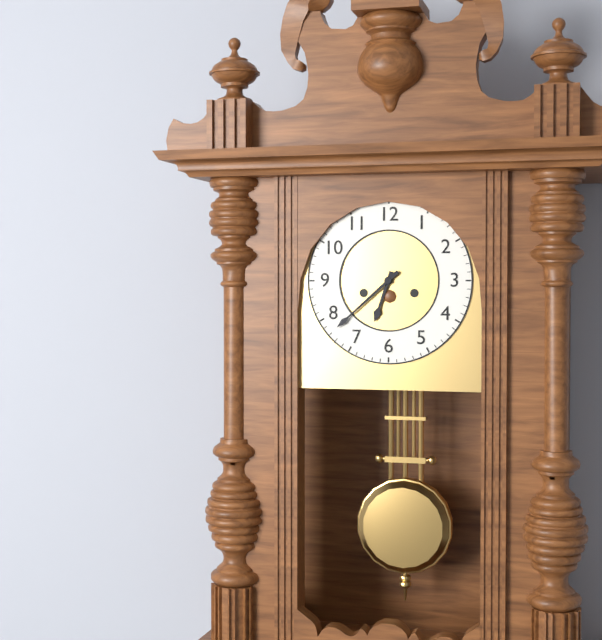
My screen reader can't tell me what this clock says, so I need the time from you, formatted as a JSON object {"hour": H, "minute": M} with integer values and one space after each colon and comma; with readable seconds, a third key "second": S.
{"hour": 6, "minute": 38}
